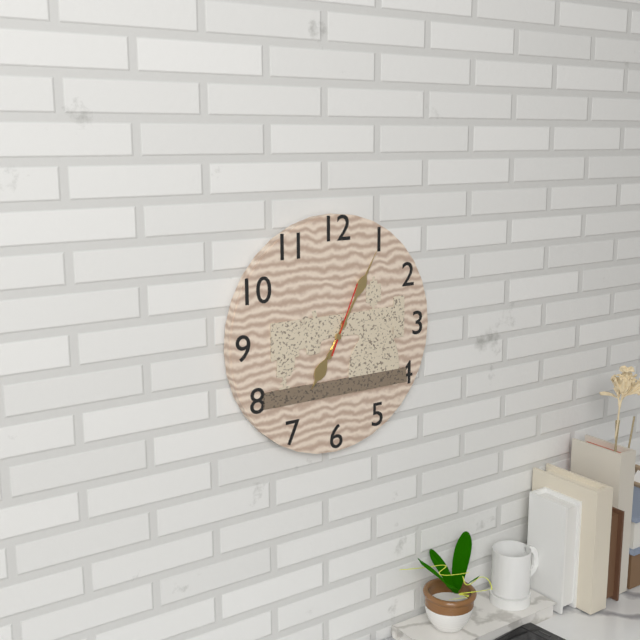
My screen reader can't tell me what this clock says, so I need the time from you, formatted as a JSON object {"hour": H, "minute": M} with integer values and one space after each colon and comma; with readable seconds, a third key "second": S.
{"hour": 7, "minute": 5, "second": 4}
